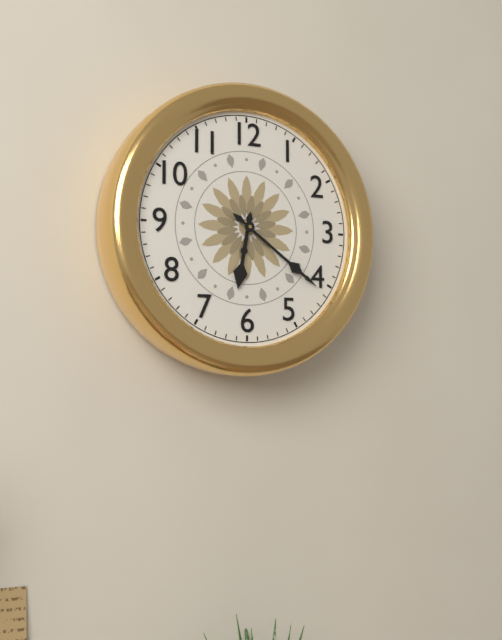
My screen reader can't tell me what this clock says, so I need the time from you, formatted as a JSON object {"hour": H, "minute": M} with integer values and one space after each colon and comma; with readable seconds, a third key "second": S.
{"hour": 6, "minute": 21}
